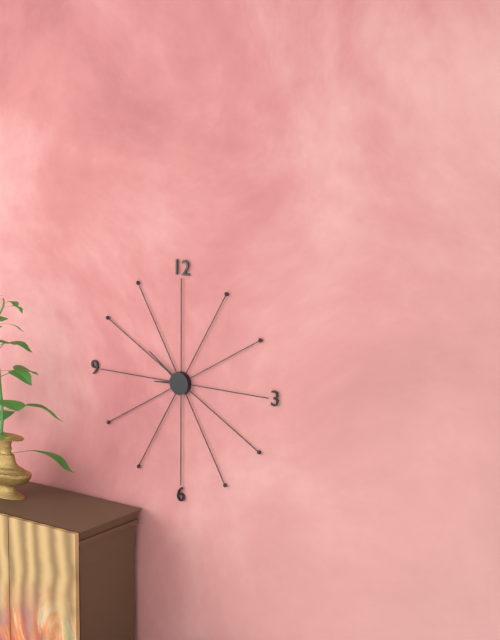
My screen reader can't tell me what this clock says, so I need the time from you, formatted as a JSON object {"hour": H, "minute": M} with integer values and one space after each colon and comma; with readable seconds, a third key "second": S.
{"hour": 8, "minute": 51}
